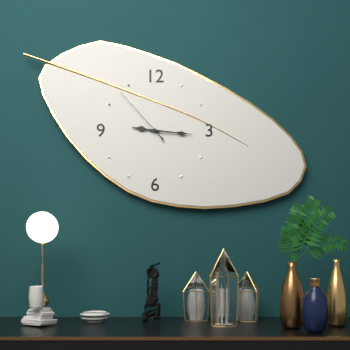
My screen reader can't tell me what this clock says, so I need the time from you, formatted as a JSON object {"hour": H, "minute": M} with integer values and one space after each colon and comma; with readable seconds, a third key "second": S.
{"hour": 9, "minute": 16, "second": 53}
